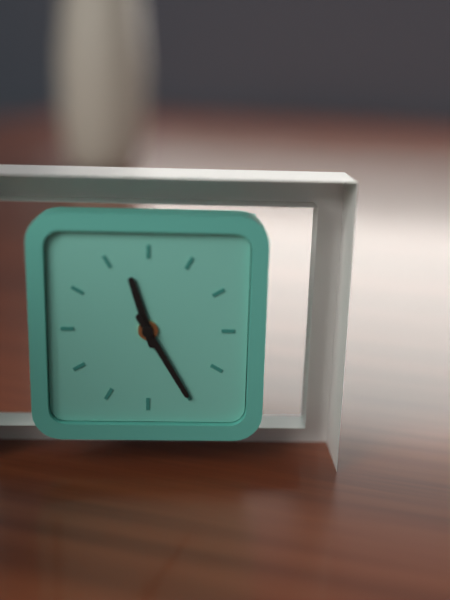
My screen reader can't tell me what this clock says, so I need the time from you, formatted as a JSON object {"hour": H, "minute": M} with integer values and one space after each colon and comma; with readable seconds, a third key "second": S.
{"hour": 11, "minute": 25}
